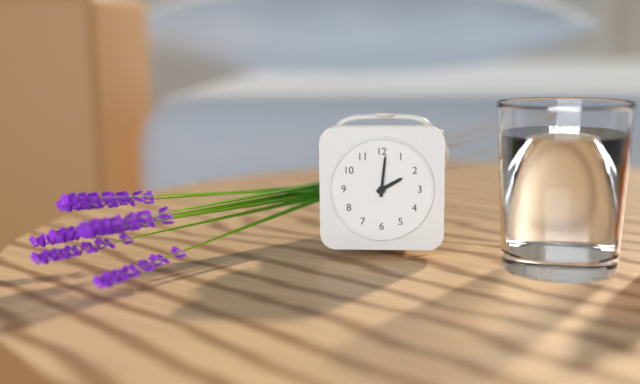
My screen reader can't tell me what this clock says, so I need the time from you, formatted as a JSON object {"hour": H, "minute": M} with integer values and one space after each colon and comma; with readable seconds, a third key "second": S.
{"hour": 2, "minute": 1}
